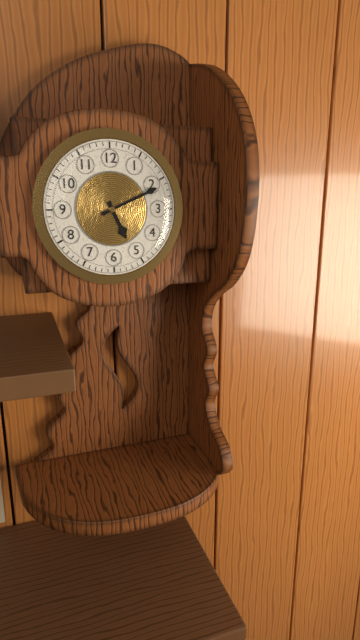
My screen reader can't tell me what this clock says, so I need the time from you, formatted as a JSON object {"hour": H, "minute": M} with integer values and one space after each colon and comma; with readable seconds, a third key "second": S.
{"hour": 5, "minute": 11}
